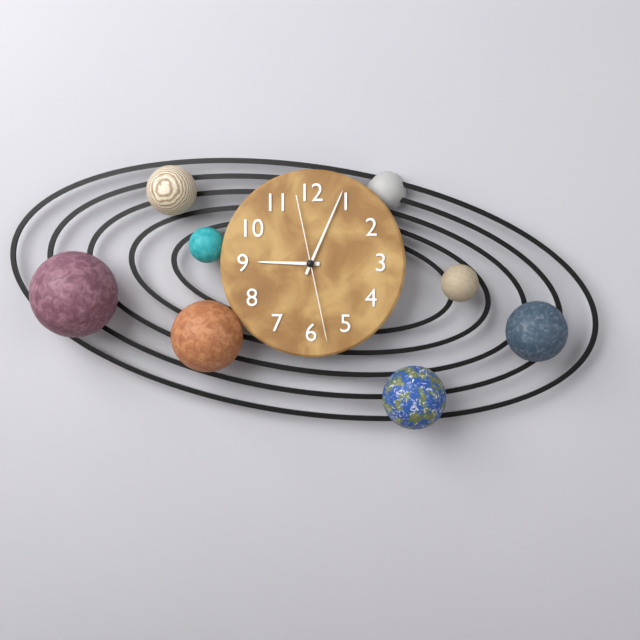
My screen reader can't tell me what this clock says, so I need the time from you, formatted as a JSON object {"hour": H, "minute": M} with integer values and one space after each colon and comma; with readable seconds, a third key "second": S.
{"hour": 9, "minute": 4, "second": 28}
